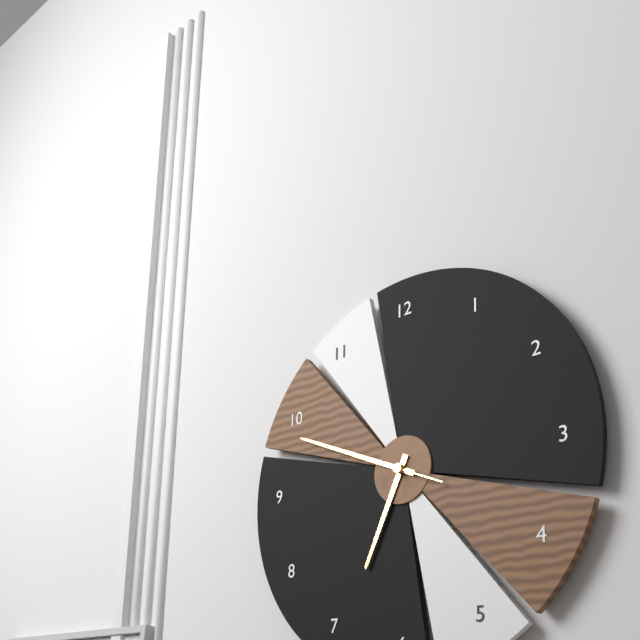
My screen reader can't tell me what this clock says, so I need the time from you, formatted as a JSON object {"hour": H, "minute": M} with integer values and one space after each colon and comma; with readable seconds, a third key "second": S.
{"hour": 6, "minute": 49, "second": 49}
